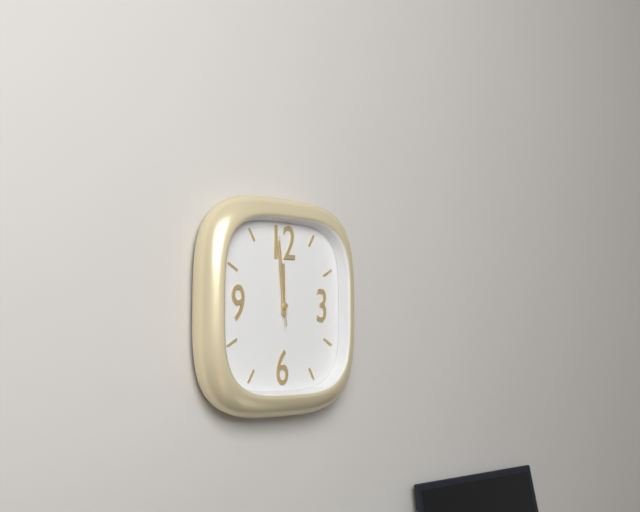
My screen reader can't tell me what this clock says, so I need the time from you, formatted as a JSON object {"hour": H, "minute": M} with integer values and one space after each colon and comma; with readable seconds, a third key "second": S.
{"hour": 11, "minute": 59, "second": 59}
